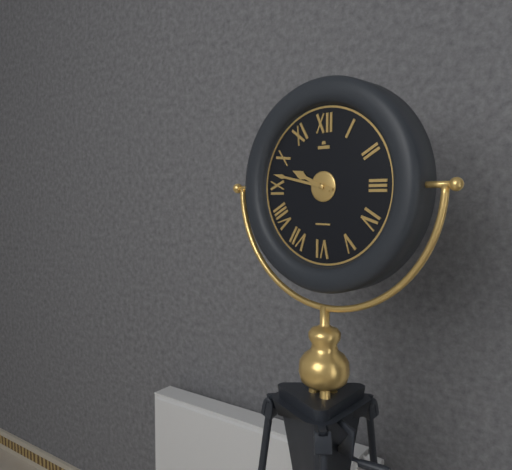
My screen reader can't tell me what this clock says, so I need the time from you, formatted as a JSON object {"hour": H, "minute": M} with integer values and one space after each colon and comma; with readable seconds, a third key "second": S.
{"hour": 9, "minute": 47}
